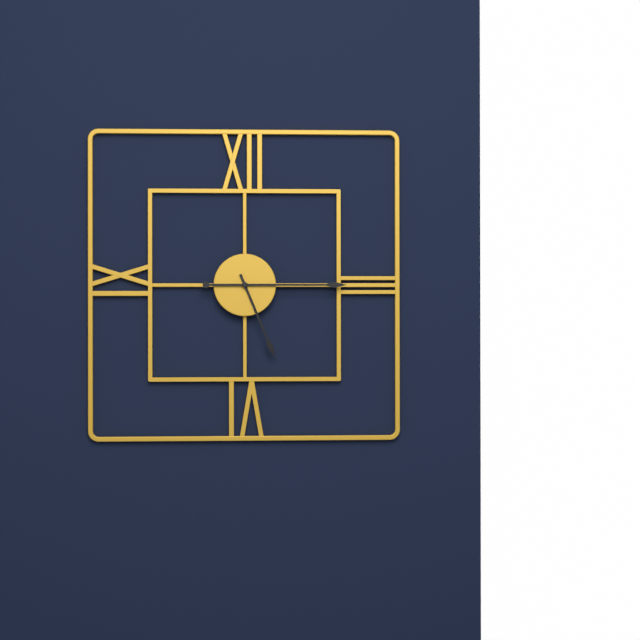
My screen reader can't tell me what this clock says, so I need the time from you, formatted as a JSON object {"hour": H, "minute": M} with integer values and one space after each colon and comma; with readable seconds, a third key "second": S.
{"hour": 5, "minute": 15}
